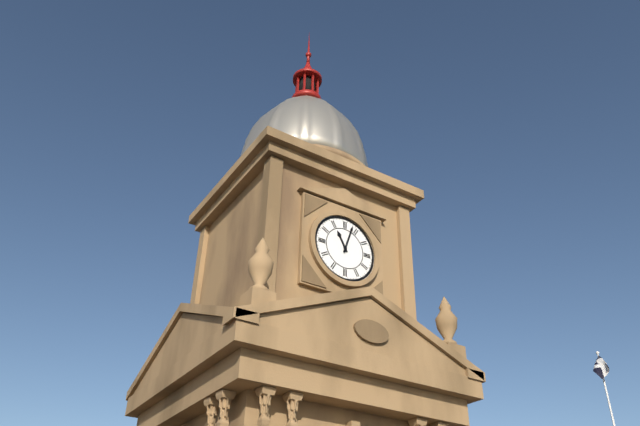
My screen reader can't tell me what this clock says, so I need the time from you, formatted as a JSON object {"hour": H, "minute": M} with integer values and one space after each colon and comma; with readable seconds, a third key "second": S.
{"hour": 11, "minute": 3}
